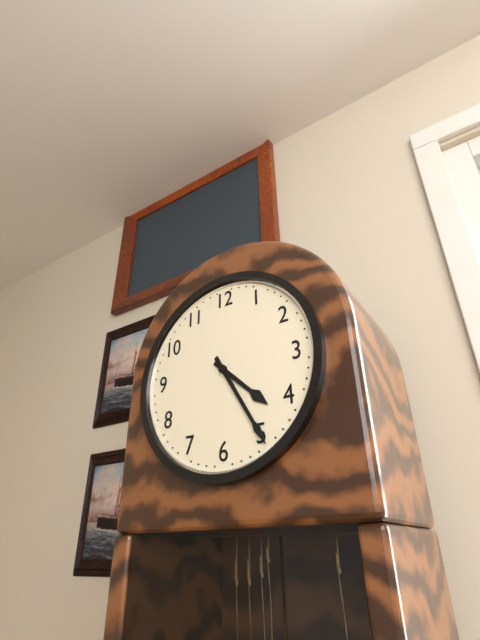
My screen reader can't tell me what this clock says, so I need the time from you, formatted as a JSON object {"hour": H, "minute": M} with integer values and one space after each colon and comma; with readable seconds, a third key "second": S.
{"hour": 4, "minute": 25}
